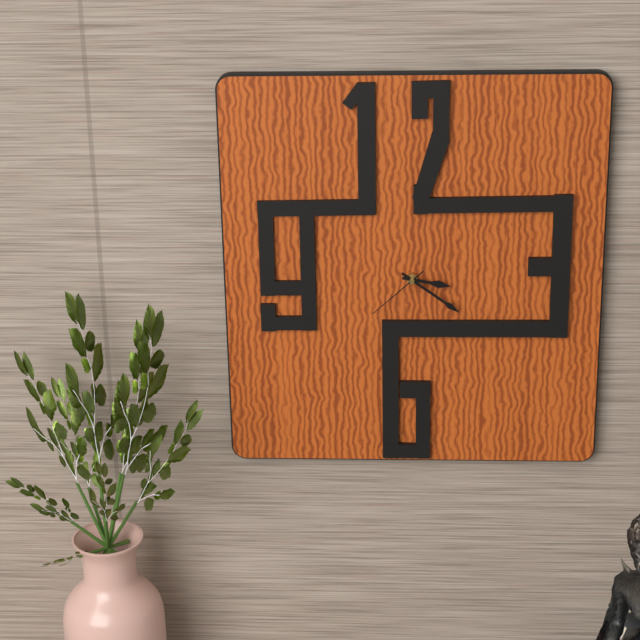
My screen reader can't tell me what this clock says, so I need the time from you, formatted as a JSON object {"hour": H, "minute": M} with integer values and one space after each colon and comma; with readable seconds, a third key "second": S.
{"hour": 3, "minute": 21, "second": 38}
